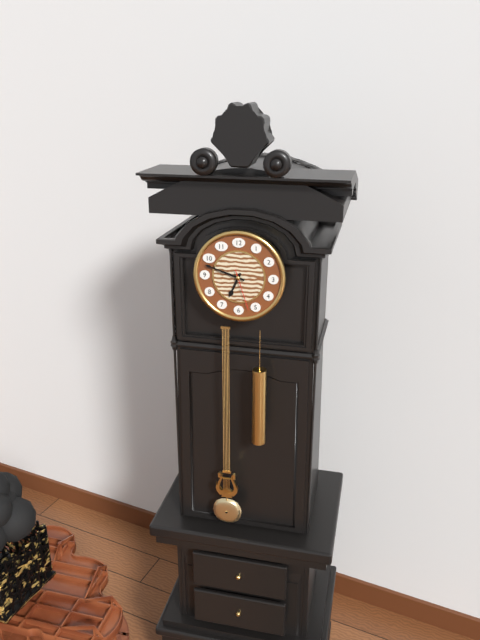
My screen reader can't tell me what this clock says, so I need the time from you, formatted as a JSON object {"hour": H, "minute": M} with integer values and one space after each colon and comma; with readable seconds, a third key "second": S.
{"hour": 6, "minute": 48}
